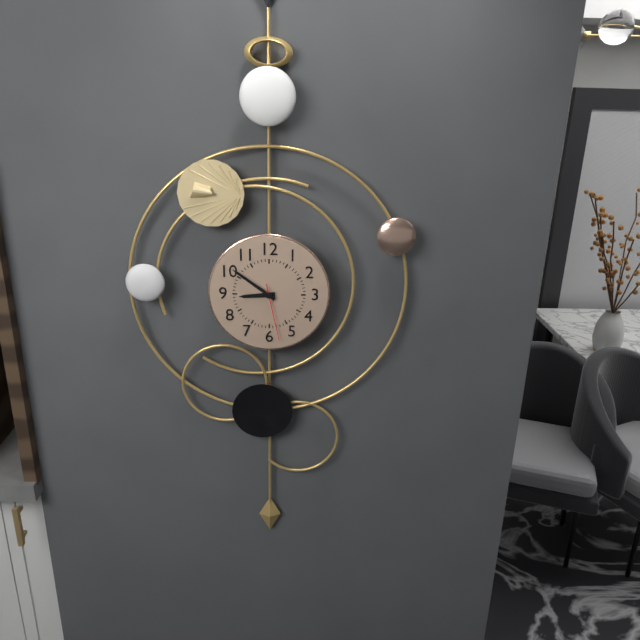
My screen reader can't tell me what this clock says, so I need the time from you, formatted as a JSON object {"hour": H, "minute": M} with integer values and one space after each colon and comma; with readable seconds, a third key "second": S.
{"hour": 8, "minute": 51, "second": 28}
